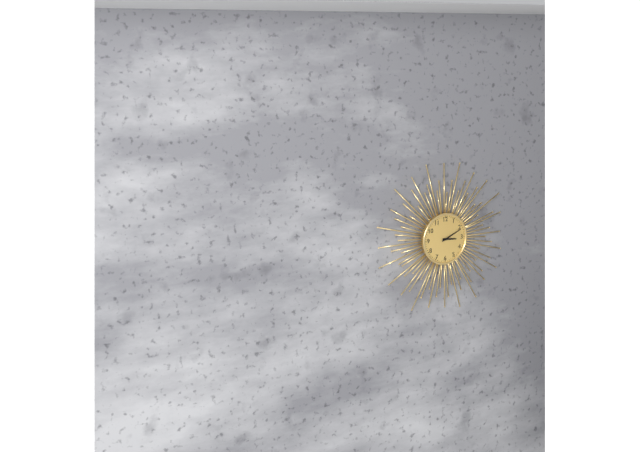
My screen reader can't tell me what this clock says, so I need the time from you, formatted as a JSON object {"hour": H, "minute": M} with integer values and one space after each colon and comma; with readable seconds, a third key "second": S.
{"hour": 3, "minute": 11}
